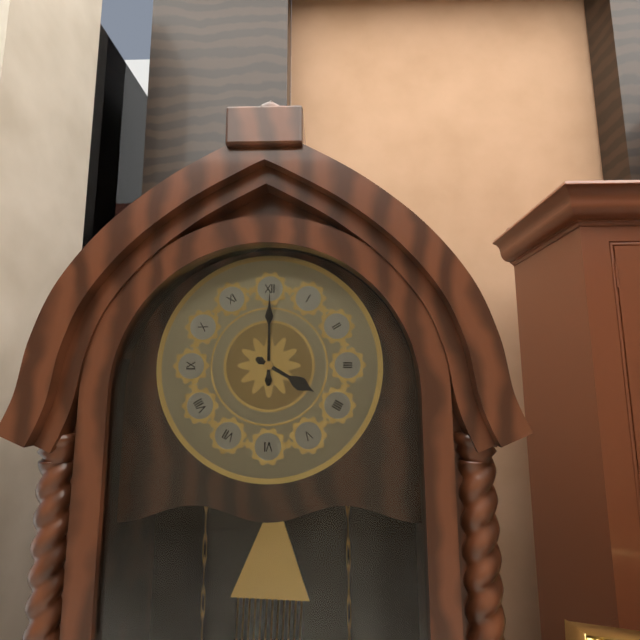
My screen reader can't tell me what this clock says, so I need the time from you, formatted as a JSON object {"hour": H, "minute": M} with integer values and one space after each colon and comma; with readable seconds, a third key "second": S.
{"hour": 4, "minute": 0}
